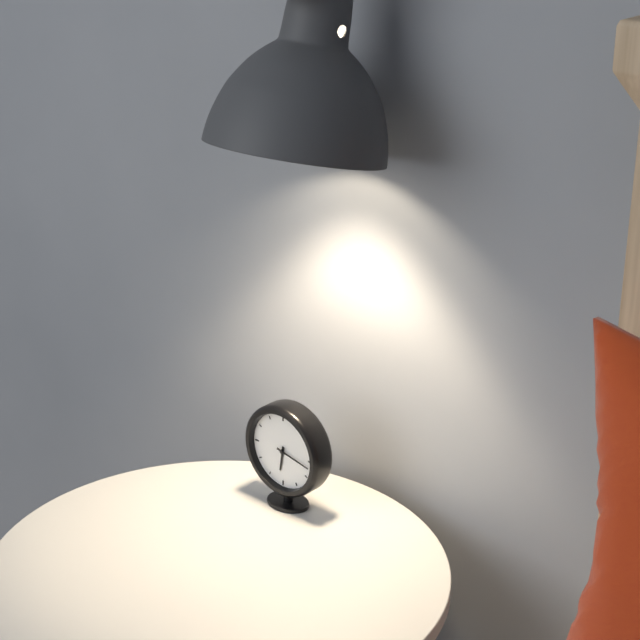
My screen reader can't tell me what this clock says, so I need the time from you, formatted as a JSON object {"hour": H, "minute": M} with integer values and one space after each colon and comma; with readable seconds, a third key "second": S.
{"hour": 6, "minute": 17}
